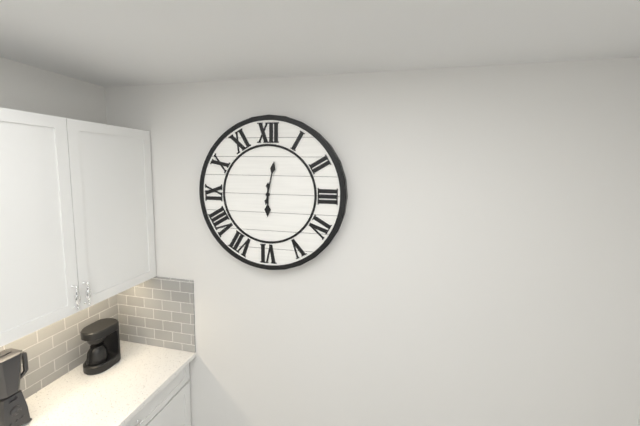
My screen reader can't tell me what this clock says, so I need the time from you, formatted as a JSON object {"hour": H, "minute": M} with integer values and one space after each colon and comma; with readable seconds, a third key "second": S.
{"hour": 6, "minute": 2}
